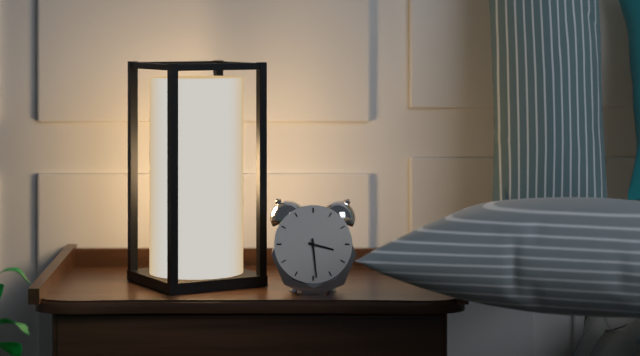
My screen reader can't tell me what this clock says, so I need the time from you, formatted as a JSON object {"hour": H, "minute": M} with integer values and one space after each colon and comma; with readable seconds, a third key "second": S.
{"hour": 3, "minute": 29}
